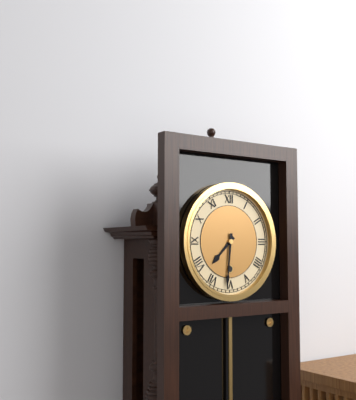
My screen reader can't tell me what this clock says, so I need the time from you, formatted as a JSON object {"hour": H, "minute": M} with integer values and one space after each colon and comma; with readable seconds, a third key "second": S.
{"hour": 7, "minute": 31}
